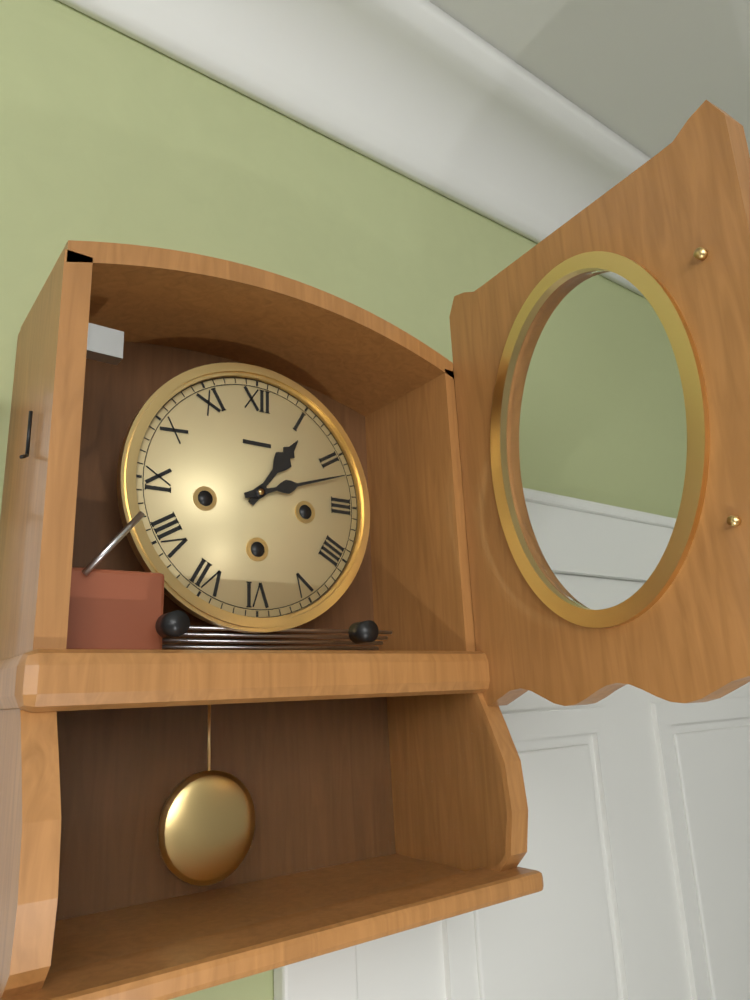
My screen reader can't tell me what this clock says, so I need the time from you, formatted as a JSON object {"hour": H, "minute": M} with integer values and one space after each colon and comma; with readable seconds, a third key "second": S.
{"hour": 1, "minute": 12}
